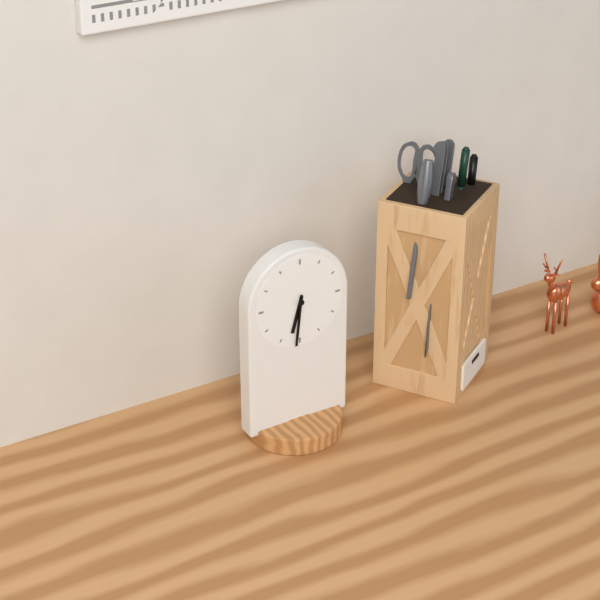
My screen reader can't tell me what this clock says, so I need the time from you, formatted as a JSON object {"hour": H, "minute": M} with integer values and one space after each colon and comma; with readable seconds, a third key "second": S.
{"hour": 6, "minute": 31}
